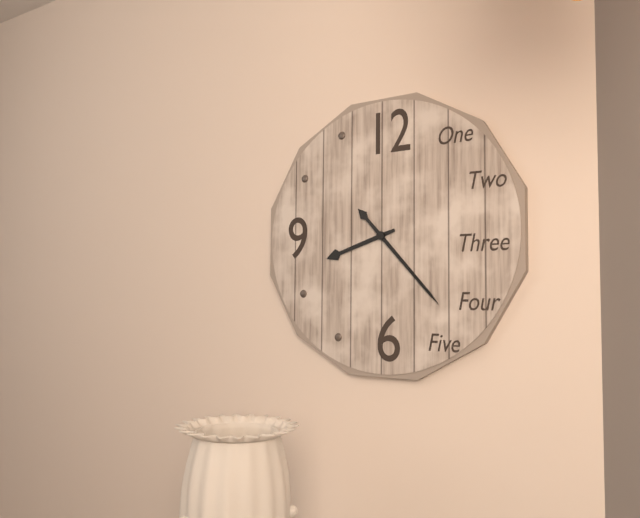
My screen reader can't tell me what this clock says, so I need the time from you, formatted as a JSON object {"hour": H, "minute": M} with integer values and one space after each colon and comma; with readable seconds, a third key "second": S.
{"hour": 8, "minute": 23}
